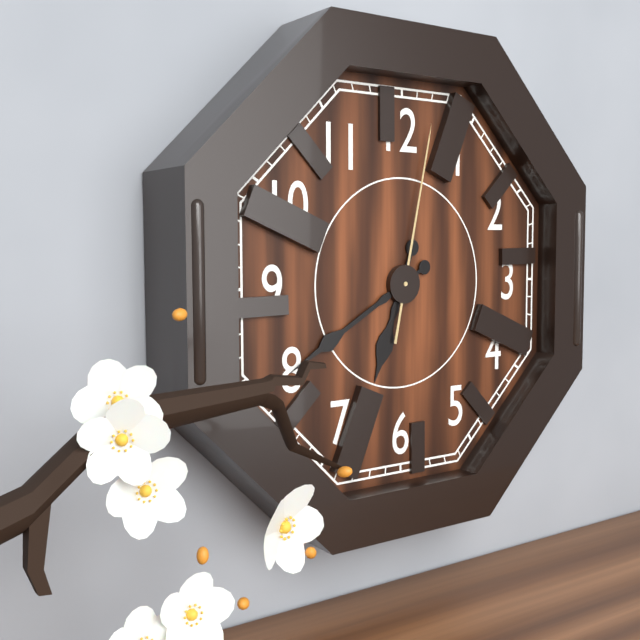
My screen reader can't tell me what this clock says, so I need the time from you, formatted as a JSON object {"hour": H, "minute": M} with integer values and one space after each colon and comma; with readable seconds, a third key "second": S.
{"hour": 6, "minute": 40, "second": 2}
